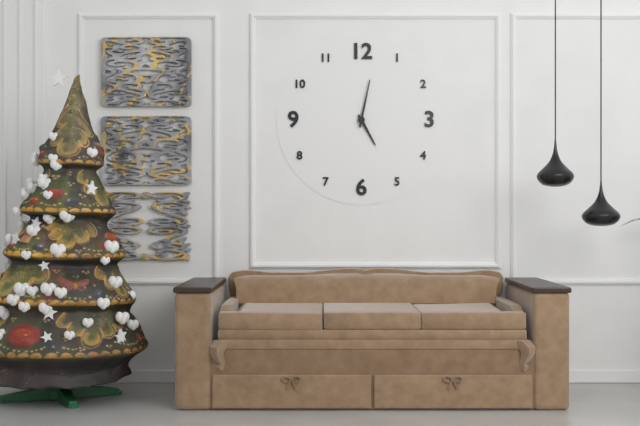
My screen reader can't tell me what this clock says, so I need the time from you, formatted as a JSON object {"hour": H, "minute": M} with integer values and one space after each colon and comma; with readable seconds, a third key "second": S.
{"hour": 5, "minute": 2}
